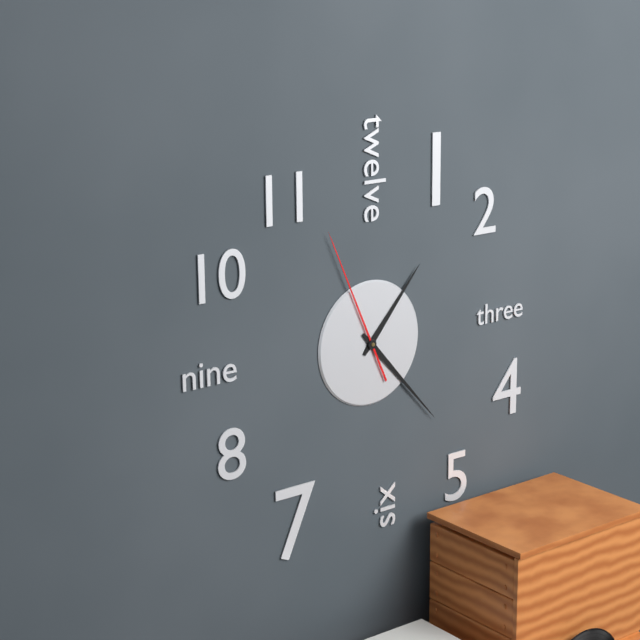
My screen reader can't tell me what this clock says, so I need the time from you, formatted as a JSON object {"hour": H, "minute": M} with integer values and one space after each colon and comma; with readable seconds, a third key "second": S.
{"hour": 1, "minute": 23, "second": 56}
